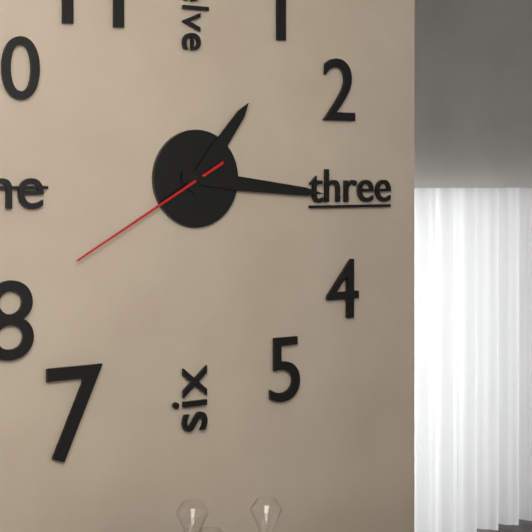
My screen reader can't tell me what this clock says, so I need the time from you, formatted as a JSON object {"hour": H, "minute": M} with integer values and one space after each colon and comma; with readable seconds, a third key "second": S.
{"hour": 1, "minute": 16, "second": 40}
